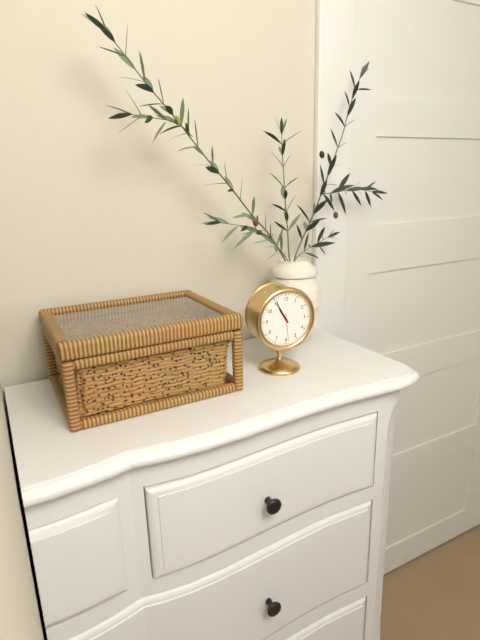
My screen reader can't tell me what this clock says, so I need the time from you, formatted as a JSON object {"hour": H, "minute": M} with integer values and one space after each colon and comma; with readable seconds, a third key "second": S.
{"hour": 10, "minute": 55}
